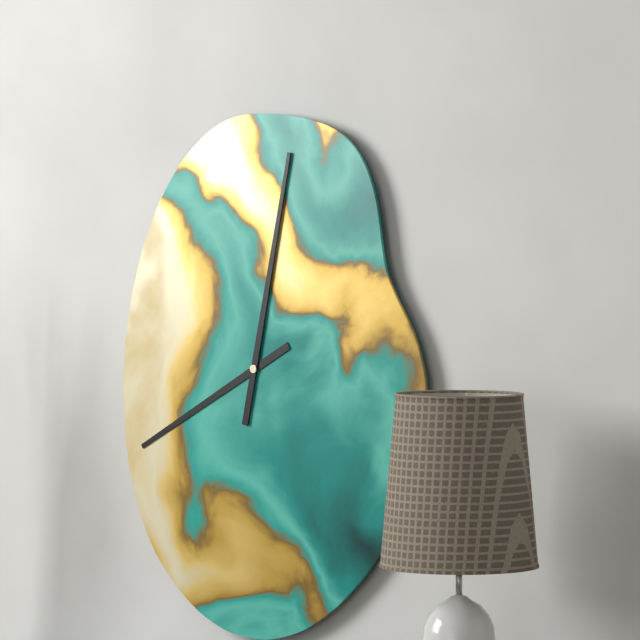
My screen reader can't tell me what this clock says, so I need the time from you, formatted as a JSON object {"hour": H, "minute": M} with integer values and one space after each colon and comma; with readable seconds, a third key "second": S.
{"hour": 8, "minute": 2}
